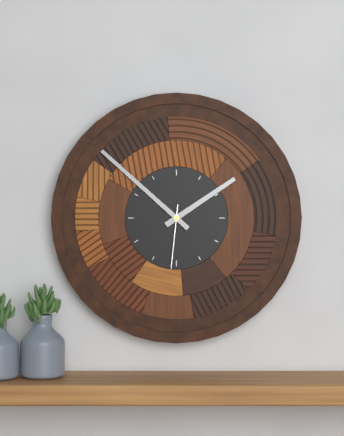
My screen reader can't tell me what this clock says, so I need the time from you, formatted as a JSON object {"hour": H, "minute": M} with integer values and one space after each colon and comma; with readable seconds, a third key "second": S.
{"hour": 1, "minute": 52, "second": 31}
